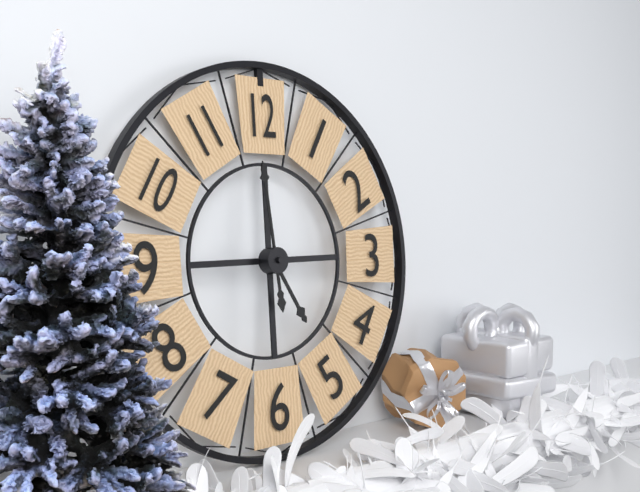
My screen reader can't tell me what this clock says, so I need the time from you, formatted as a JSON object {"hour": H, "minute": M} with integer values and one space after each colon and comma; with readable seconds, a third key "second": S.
{"hour": 4, "minute": 59}
